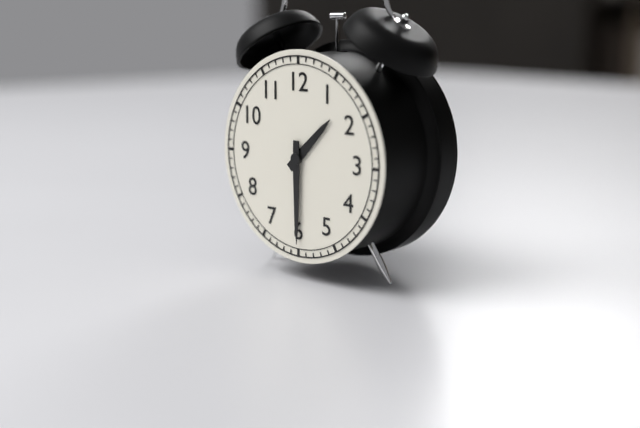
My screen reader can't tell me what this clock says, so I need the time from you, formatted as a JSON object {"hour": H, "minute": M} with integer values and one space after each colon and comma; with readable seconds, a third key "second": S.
{"hour": 1, "minute": 30}
